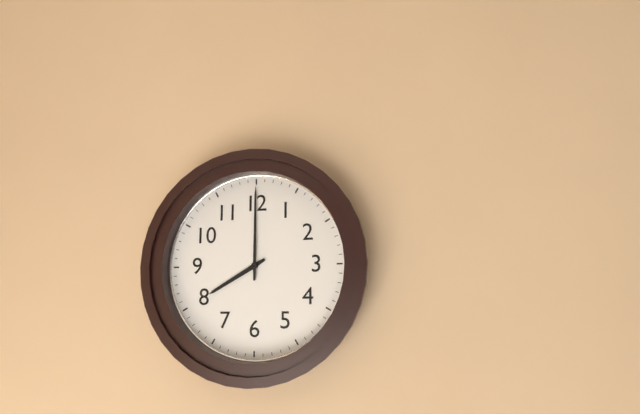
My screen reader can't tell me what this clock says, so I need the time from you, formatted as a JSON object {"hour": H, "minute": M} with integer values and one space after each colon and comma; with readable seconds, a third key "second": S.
{"hour": 8, "minute": 0}
